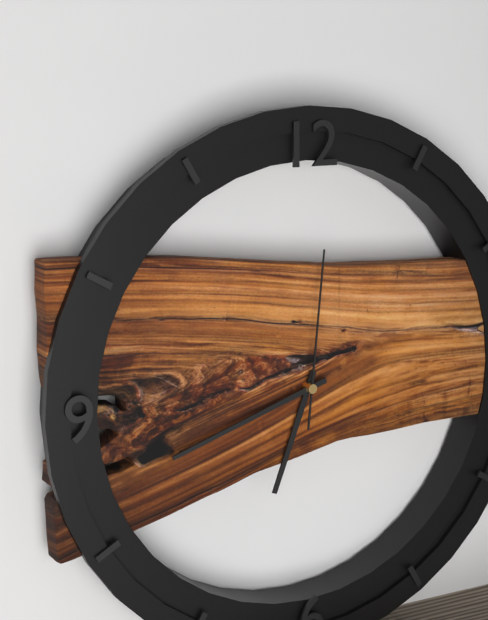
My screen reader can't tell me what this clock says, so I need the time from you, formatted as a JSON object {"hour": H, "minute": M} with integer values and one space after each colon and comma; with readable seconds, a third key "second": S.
{"hour": 6, "minute": 42, "second": 1}
